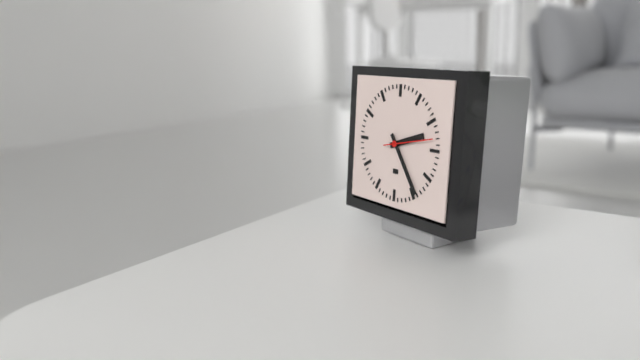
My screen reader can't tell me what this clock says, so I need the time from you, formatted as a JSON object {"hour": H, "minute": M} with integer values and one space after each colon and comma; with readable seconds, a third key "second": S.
{"hour": 2, "minute": 24}
